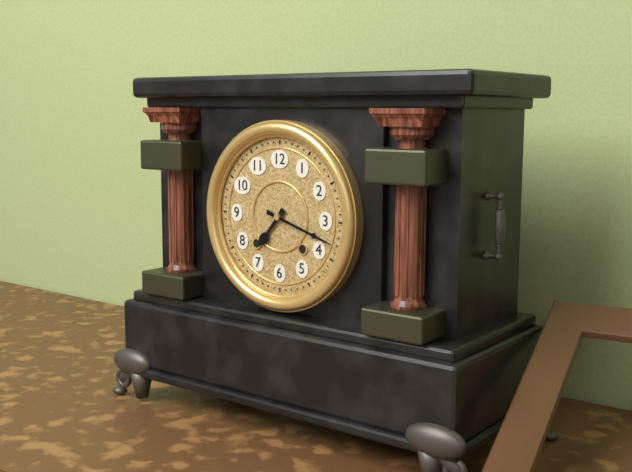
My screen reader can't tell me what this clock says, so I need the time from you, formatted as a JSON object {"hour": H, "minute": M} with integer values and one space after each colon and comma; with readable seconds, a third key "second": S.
{"hour": 7, "minute": 18}
